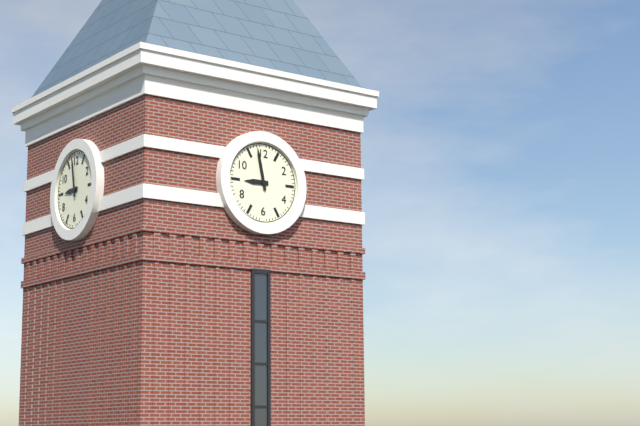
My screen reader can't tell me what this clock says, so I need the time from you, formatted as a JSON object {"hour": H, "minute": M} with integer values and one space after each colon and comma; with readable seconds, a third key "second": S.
{"hour": 8, "minute": 58}
